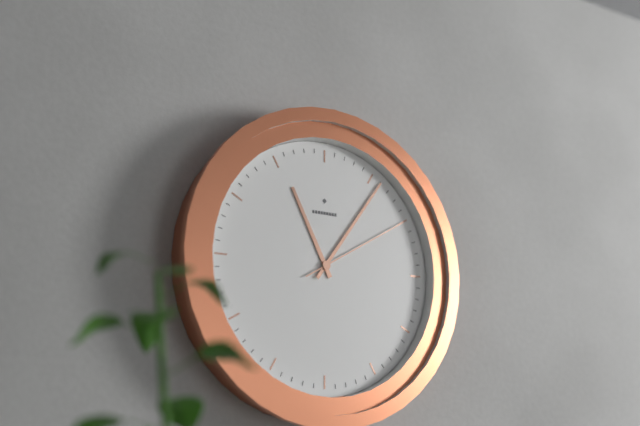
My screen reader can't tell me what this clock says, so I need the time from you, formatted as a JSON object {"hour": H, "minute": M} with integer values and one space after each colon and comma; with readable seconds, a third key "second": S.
{"hour": 11, "minute": 6, "second": 10}
